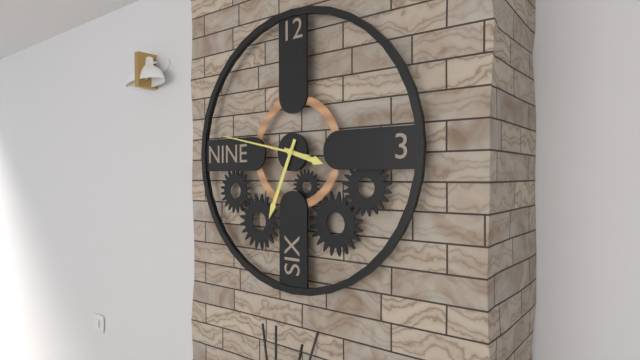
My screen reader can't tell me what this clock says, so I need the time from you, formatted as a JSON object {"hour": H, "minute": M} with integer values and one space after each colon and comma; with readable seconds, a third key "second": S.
{"hour": 3, "minute": 34, "second": 47}
